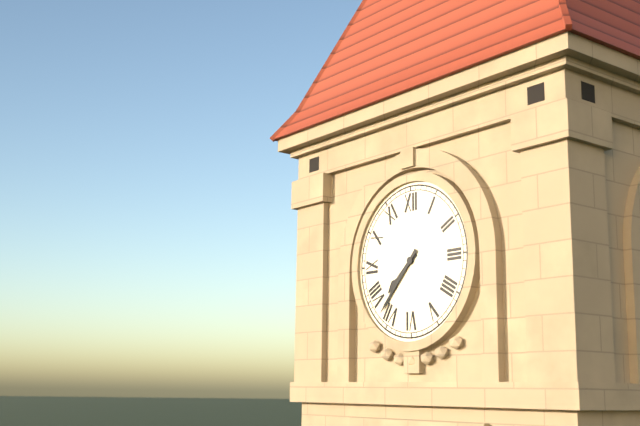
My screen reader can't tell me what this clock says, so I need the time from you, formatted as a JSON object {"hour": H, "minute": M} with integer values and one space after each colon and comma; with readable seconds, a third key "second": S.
{"hour": 7, "minute": 37}
